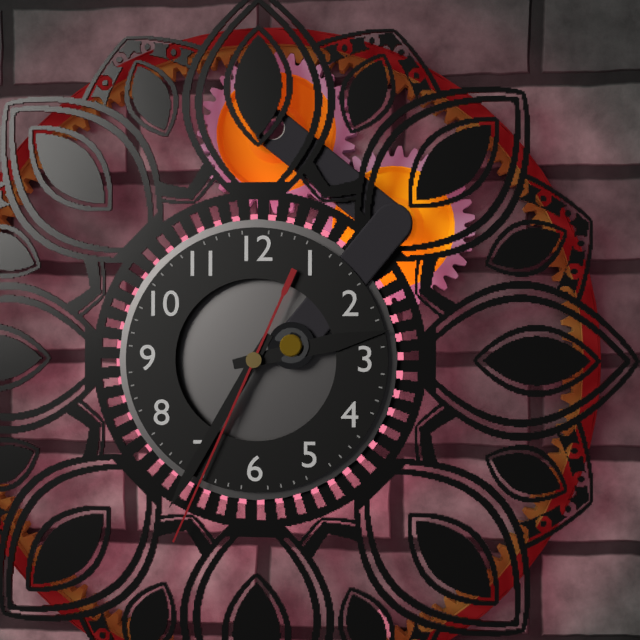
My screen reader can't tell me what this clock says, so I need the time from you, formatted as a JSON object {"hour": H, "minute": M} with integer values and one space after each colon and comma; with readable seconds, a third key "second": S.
{"hour": 2, "minute": 35, "second": 34}
